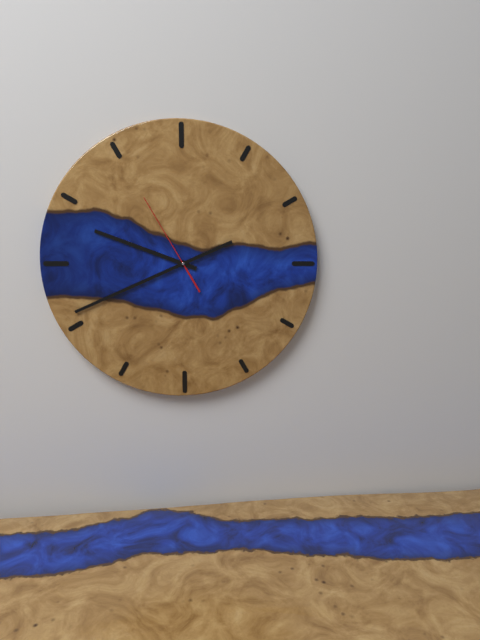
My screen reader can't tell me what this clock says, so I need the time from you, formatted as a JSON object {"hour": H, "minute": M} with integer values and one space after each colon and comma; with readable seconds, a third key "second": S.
{"hour": 9, "minute": 41, "second": 55}
